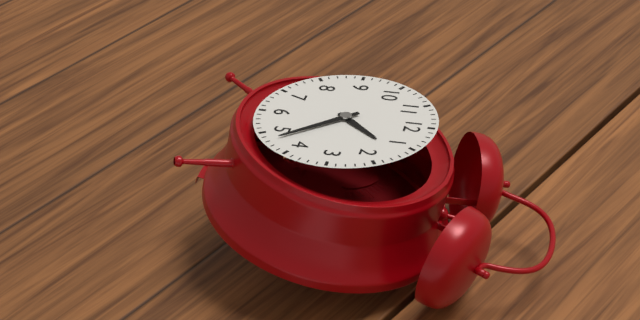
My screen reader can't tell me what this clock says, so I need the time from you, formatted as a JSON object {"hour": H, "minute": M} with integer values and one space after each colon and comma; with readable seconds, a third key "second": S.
{"hour": 1, "minute": 23}
